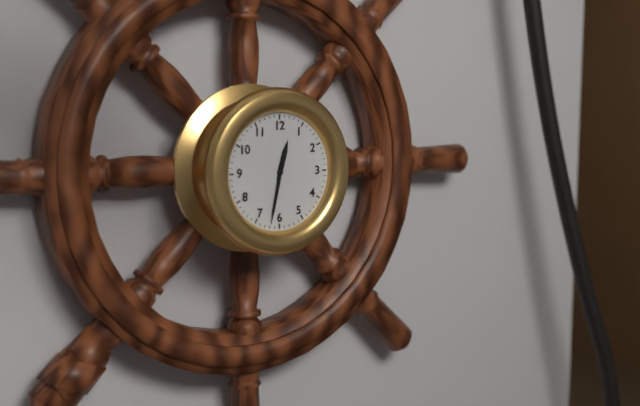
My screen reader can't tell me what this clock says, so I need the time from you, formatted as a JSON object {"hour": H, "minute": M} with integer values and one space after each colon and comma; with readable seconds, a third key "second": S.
{"hour": 12, "minute": 32}
